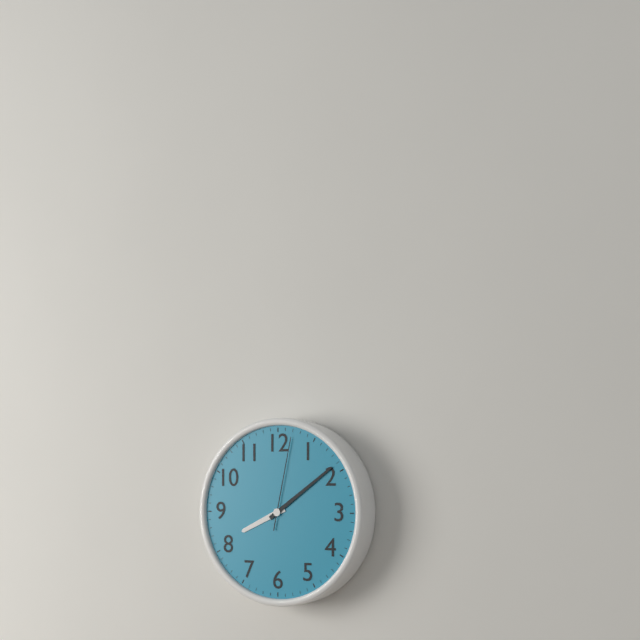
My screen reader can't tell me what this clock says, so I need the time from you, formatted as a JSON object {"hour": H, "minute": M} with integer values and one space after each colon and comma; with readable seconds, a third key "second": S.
{"hour": 8, "minute": 9, "second": 2}
